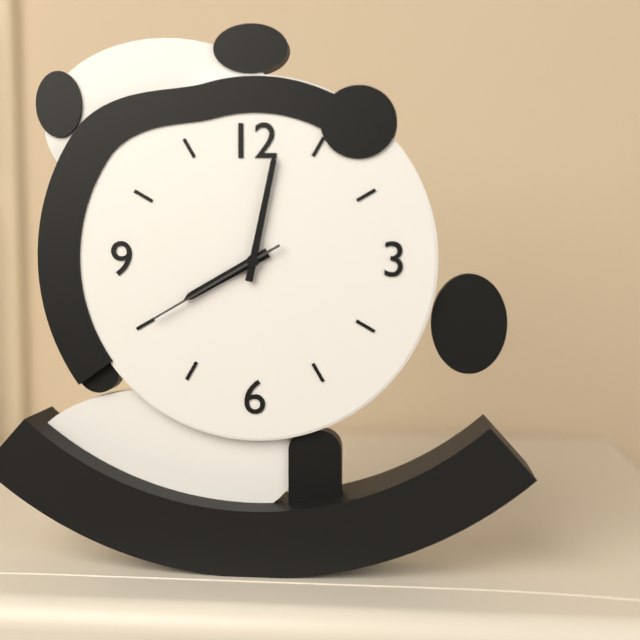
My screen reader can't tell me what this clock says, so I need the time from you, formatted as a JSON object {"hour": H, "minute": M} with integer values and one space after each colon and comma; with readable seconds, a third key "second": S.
{"hour": 8, "minute": 2, "second": 40}
